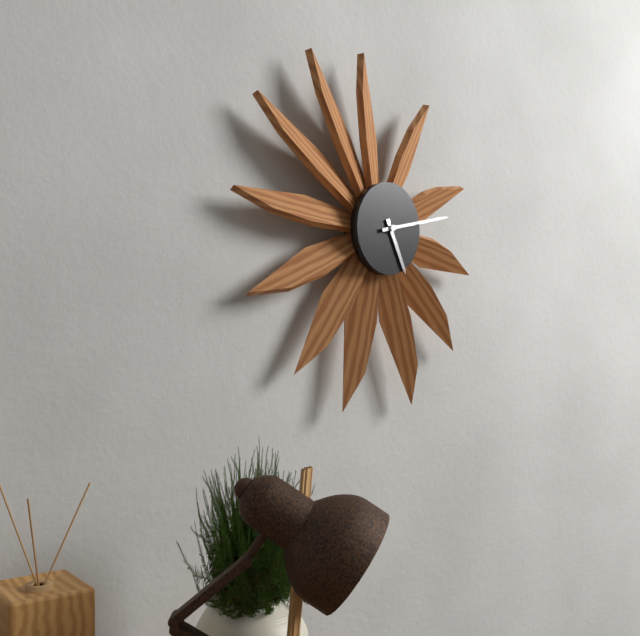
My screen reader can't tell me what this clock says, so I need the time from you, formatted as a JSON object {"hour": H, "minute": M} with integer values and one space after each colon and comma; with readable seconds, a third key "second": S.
{"hour": 5, "minute": 13}
